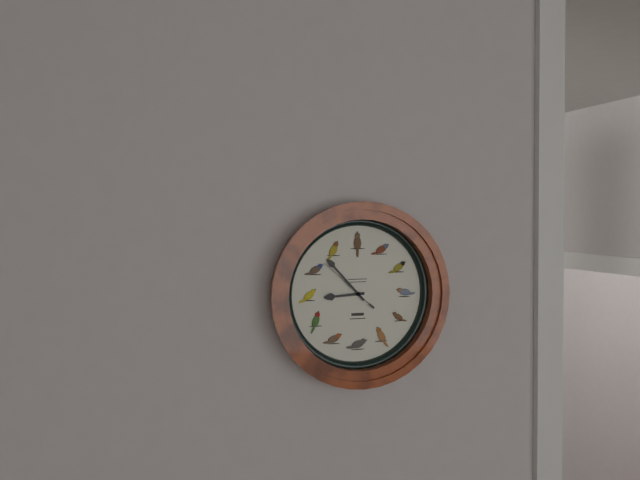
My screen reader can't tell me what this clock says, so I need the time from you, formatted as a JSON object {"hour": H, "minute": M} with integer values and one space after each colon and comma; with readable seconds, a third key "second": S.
{"hour": 8, "minute": 53, "second": 52}
